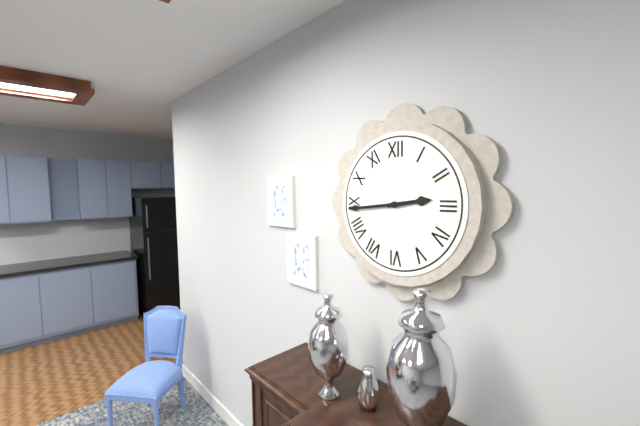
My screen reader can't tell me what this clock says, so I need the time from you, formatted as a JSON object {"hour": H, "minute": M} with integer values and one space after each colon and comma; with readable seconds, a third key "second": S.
{"hour": 2, "minute": 44}
